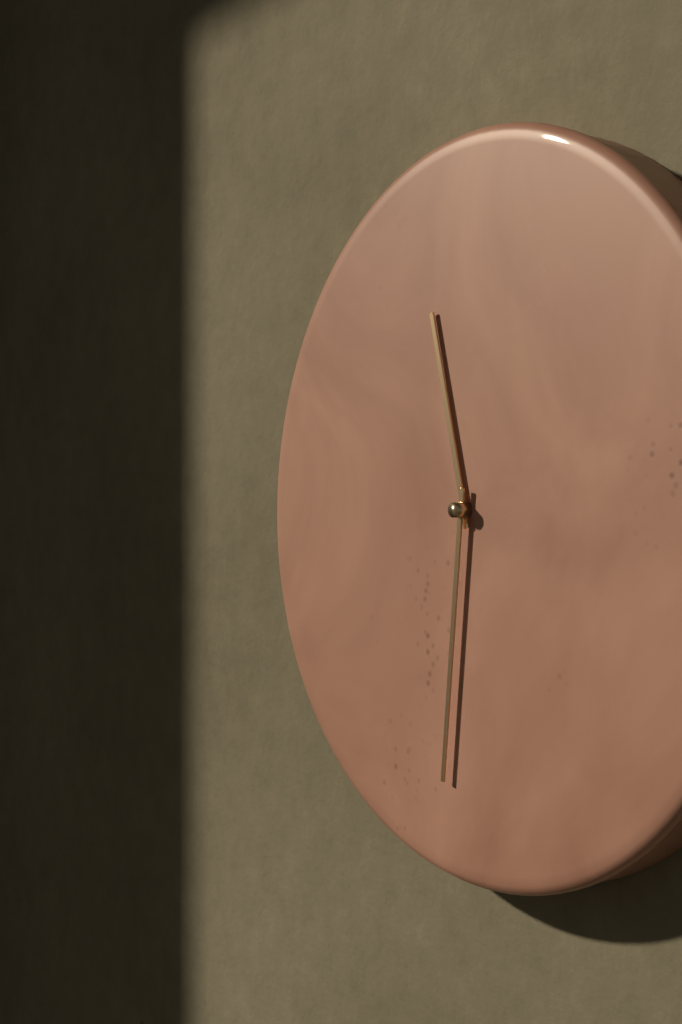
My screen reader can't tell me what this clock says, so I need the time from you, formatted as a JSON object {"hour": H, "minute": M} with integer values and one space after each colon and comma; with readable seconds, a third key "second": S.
{"hour": 11, "minute": 31}
